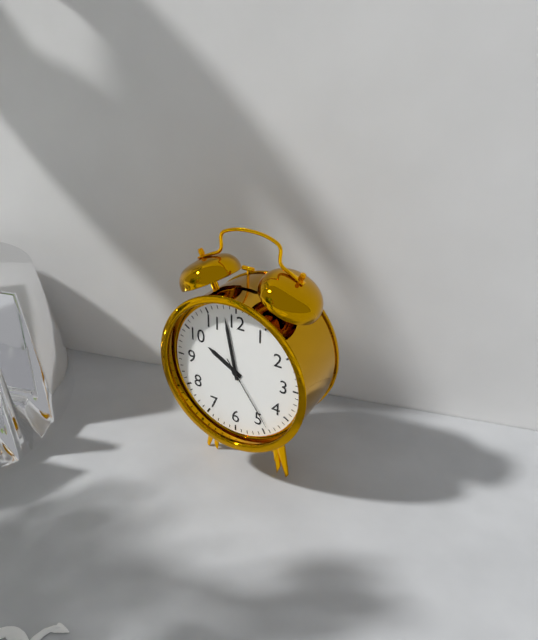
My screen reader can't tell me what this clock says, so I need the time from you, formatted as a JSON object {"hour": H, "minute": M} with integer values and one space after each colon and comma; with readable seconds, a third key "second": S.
{"hour": 9, "minute": 58, "second": 24}
